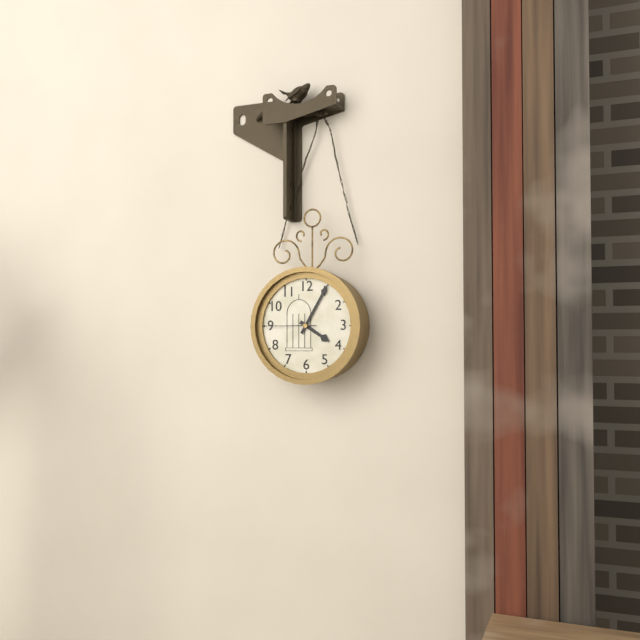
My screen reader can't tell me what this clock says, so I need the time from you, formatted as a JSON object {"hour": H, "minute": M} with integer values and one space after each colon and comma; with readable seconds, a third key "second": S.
{"hour": 4, "minute": 5, "second": 45}
